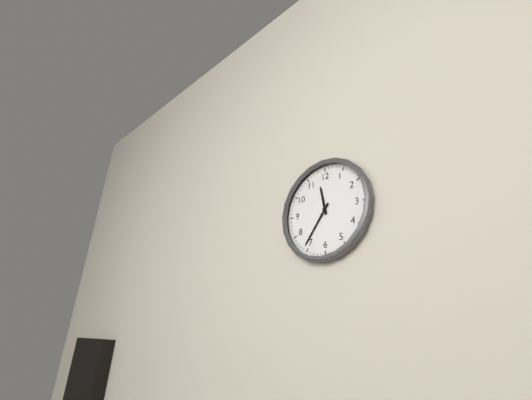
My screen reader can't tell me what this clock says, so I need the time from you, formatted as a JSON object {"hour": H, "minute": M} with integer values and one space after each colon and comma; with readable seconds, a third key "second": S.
{"hour": 11, "minute": 36}
